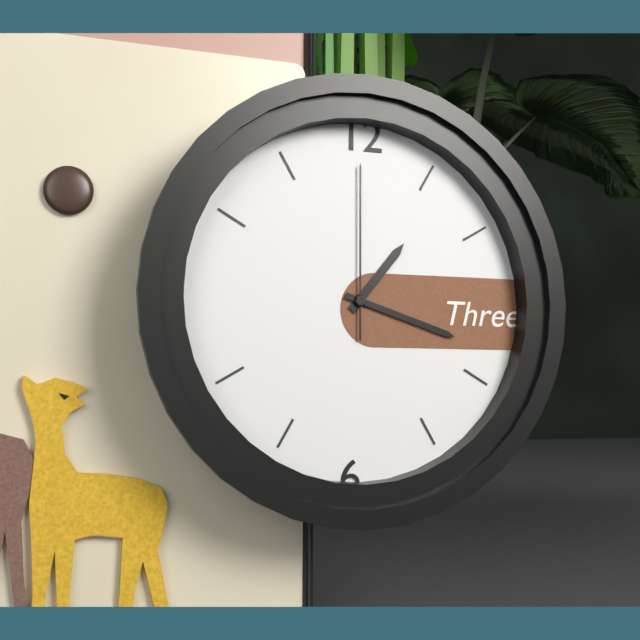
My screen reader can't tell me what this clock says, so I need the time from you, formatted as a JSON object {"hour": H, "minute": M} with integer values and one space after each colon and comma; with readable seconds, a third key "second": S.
{"hour": 1, "minute": 18, "second": 0}
